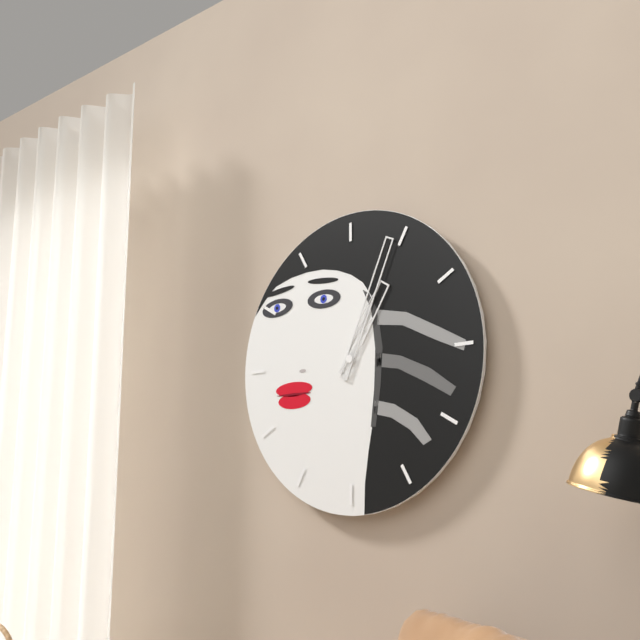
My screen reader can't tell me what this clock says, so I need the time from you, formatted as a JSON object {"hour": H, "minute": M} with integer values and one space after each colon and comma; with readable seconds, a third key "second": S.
{"hour": 1, "minute": 4}
